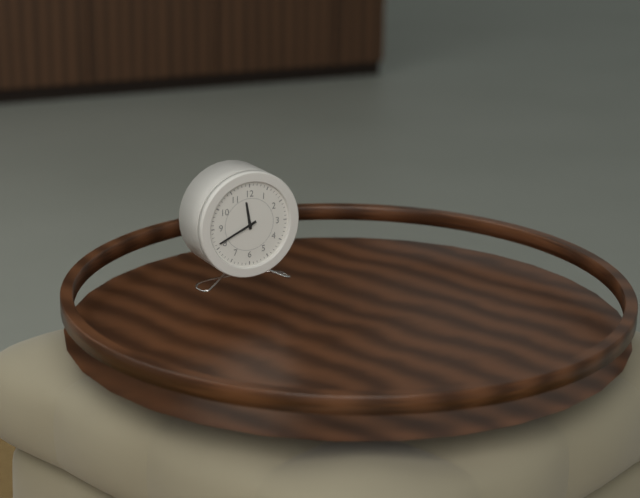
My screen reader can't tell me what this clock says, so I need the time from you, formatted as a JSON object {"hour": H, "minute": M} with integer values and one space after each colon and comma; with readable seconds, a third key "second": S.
{"hour": 11, "minute": 41}
